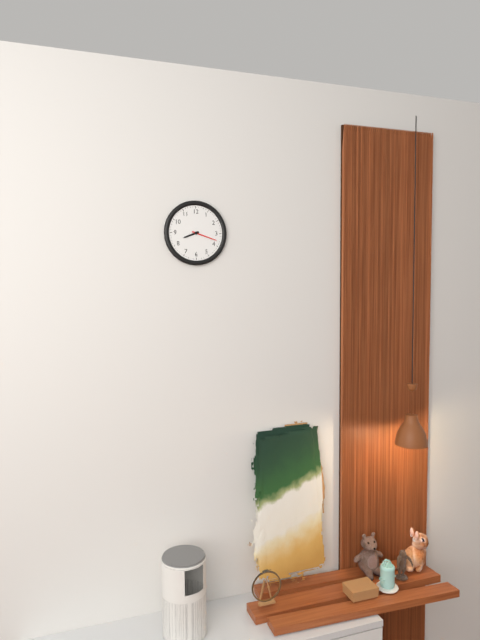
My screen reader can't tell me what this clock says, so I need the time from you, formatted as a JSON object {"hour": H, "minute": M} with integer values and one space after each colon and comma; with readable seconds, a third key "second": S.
{"hour": 8, "minute": 18}
